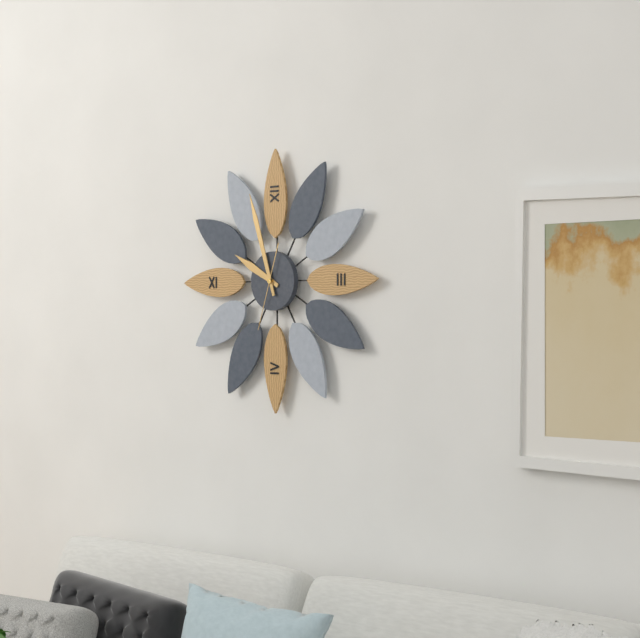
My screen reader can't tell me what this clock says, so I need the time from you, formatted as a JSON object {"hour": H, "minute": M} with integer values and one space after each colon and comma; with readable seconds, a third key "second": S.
{"hour": 9, "minute": 57, "second": 33}
